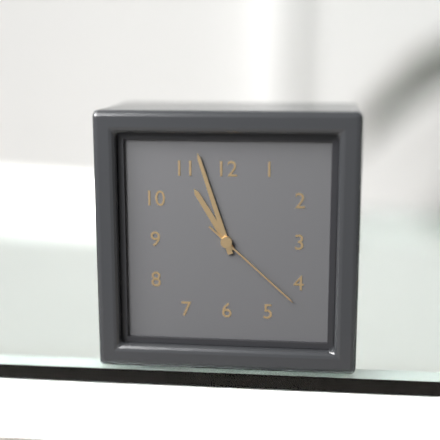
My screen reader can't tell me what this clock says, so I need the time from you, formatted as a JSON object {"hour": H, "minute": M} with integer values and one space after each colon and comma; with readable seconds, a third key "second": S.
{"hour": 10, "minute": 57, "second": 22}
